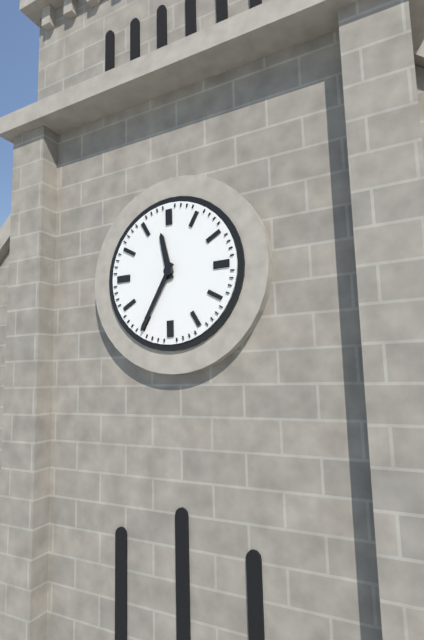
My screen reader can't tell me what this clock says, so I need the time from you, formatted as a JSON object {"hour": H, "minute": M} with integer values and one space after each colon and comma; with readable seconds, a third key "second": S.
{"hour": 11, "minute": 35}
